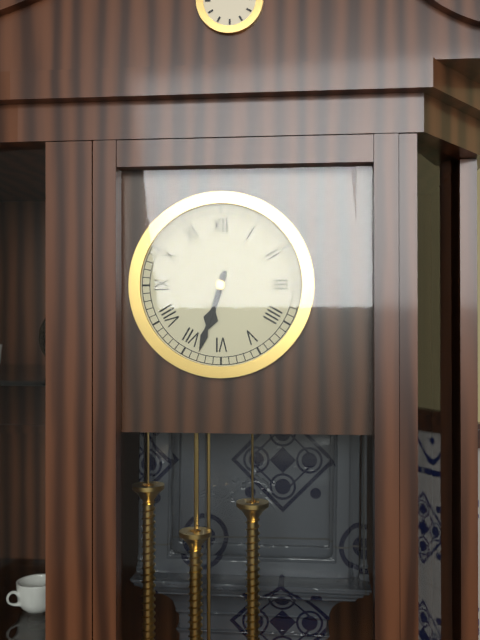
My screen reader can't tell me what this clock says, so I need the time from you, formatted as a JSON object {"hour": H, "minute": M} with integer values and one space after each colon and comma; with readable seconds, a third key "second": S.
{"hour": 6, "minute": 33}
